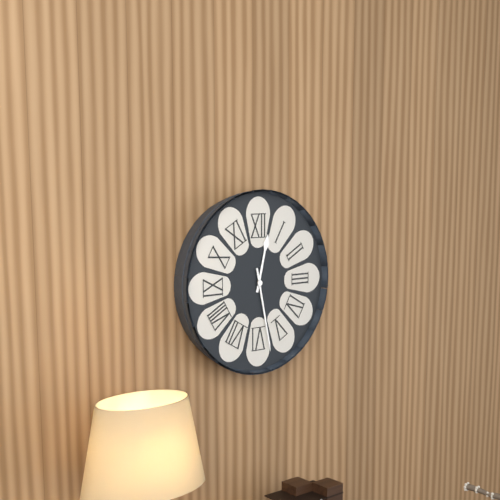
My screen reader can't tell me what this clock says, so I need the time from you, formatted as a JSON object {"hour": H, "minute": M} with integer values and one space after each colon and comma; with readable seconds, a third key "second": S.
{"hour": 12, "minute": 28}
